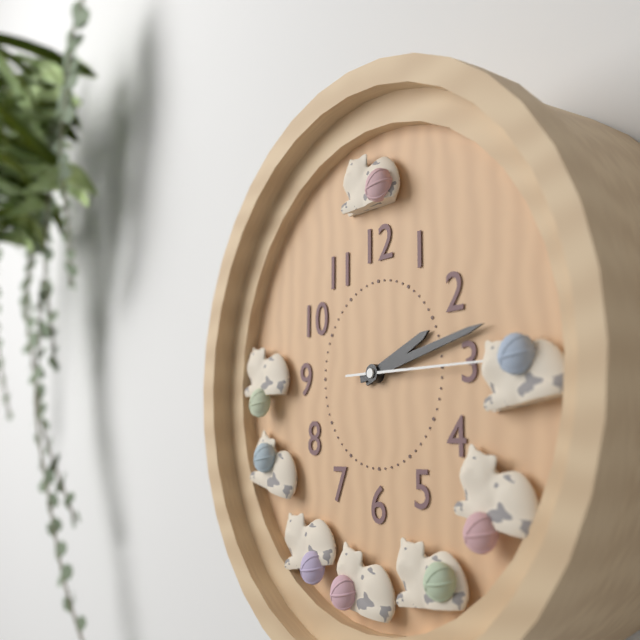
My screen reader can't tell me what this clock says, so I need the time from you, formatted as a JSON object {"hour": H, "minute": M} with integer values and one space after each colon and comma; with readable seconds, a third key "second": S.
{"hour": 2, "minute": 13, "second": 15}
